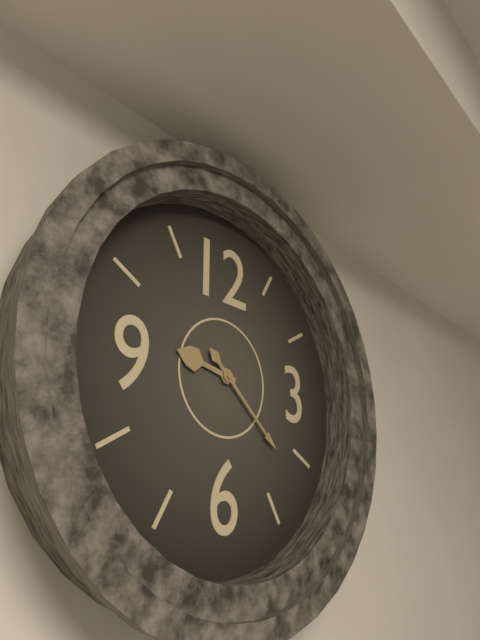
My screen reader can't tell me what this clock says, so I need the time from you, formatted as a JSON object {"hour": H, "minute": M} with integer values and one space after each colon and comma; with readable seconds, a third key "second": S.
{"hour": 9, "minute": 22}
